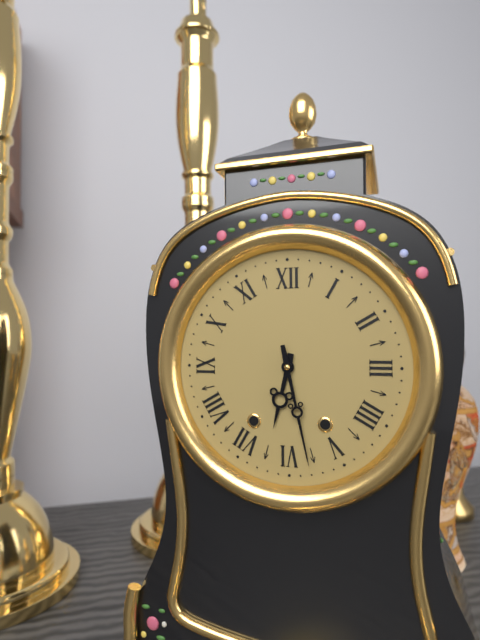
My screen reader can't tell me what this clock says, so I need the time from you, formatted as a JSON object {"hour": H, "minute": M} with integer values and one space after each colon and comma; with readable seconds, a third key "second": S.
{"hour": 6, "minute": 28}
